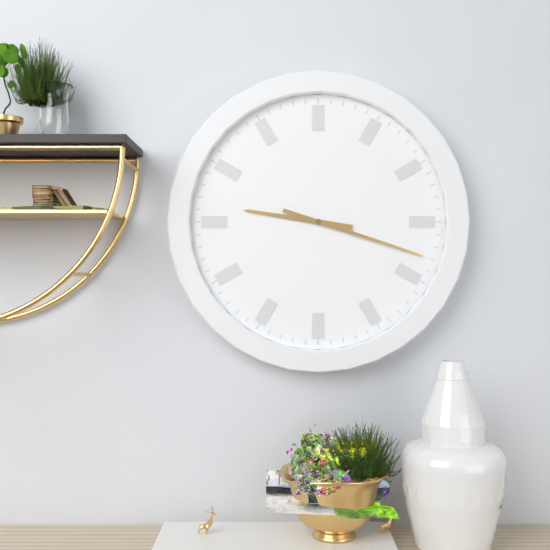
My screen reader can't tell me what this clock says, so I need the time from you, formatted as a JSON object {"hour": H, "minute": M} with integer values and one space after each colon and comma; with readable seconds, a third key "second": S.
{"hour": 9, "minute": 18}
